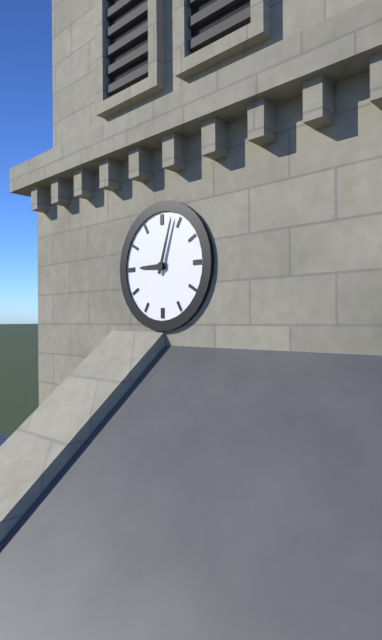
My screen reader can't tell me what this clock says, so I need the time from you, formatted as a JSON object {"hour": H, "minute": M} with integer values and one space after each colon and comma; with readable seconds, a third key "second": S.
{"hour": 9, "minute": 3}
